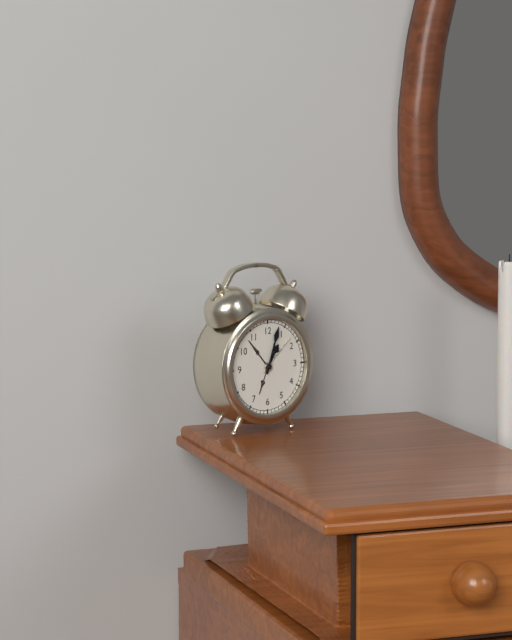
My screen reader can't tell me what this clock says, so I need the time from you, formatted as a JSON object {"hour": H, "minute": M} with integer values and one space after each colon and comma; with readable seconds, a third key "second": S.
{"hour": 1, "minute": 3}
